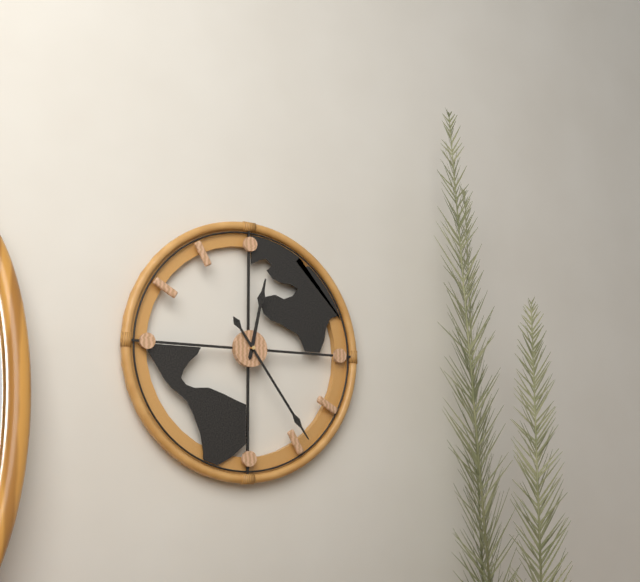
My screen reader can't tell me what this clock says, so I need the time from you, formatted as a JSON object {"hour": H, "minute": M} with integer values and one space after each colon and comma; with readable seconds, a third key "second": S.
{"hour": 12, "minute": 24}
